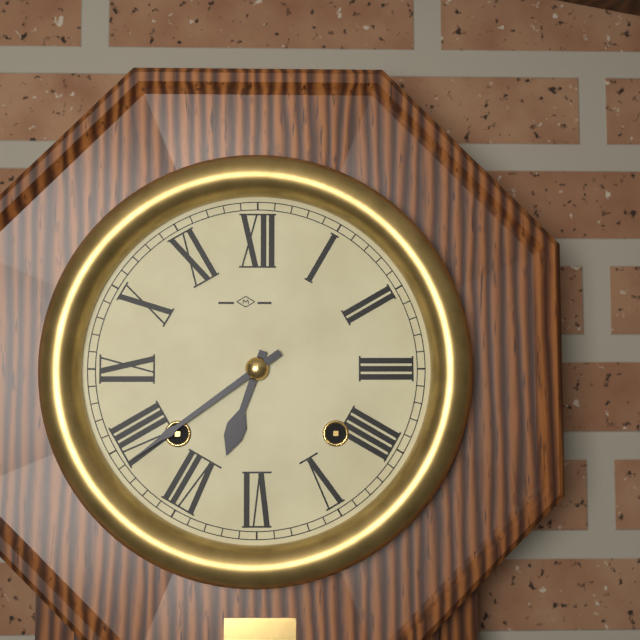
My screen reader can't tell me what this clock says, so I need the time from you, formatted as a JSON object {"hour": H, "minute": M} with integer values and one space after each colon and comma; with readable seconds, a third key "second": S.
{"hour": 6, "minute": 39}
